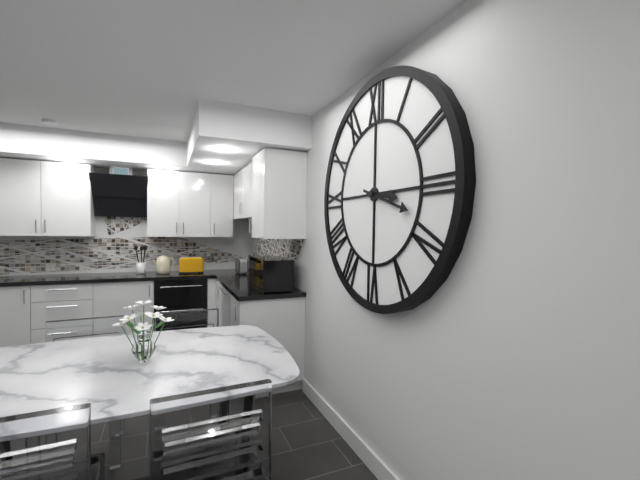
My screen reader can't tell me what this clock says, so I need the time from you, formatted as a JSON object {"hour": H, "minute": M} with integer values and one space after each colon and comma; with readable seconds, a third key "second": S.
{"hour": 3, "minute": 18}
